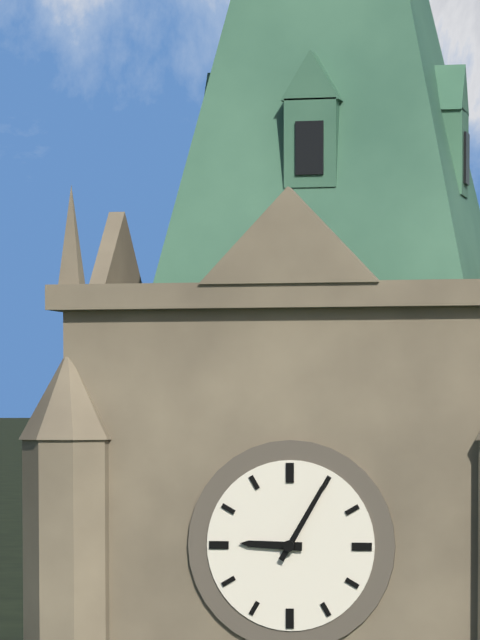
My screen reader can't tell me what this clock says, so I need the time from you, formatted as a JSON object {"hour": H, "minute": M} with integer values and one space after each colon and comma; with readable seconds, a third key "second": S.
{"hour": 9, "minute": 5}
